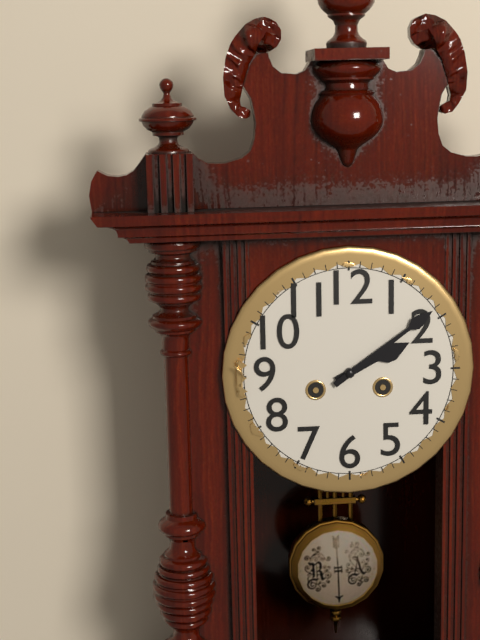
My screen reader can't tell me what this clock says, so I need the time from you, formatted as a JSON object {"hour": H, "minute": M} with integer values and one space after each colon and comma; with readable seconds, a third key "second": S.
{"hour": 2, "minute": 9}
